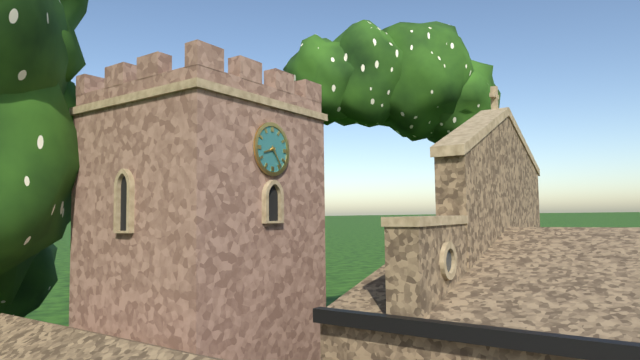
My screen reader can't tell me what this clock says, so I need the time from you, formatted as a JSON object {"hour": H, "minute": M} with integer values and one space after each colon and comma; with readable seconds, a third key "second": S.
{"hour": 8, "minute": 24}
